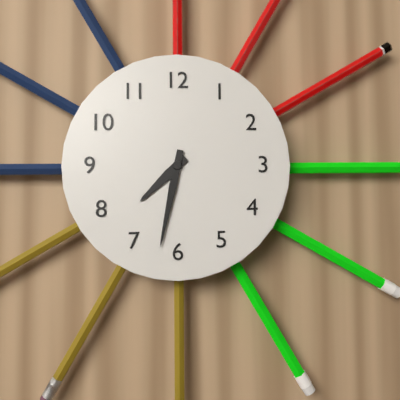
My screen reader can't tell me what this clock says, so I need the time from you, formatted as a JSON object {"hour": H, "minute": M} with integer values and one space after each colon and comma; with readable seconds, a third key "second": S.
{"hour": 7, "minute": 32}
